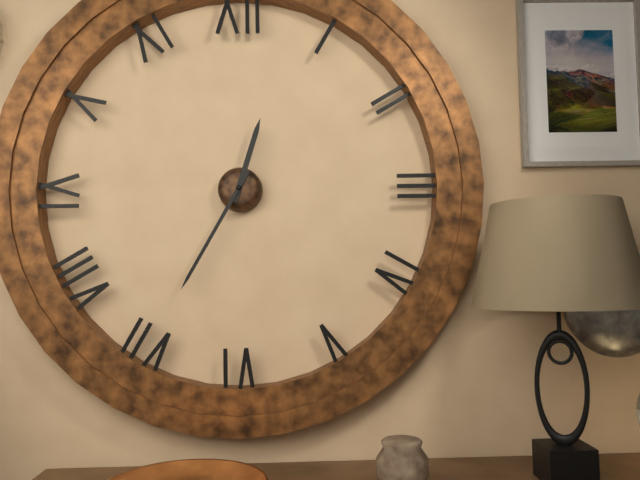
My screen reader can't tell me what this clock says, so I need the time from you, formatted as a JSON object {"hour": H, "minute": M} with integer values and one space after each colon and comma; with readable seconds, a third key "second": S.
{"hour": 12, "minute": 35}
